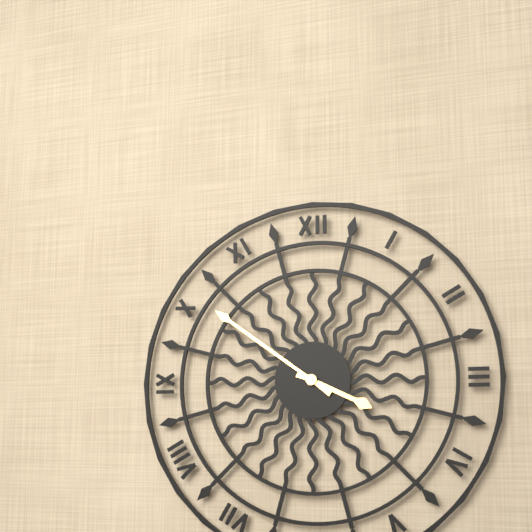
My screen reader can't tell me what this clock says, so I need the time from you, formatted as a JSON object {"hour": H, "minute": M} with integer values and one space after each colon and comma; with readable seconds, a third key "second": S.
{"hour": 3, "minute": 51}
